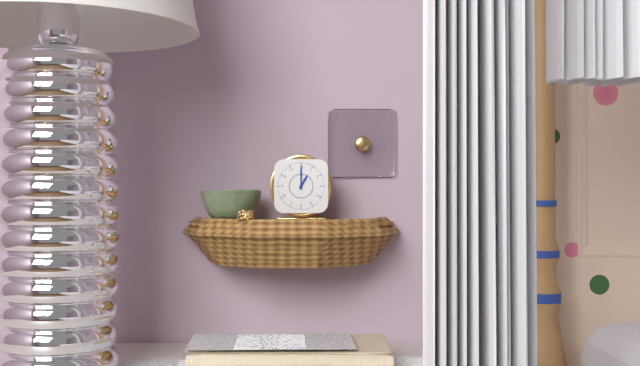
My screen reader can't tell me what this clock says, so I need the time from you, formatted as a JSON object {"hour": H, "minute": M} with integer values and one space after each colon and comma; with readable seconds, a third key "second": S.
{"hour": 1, "minute": 0}
